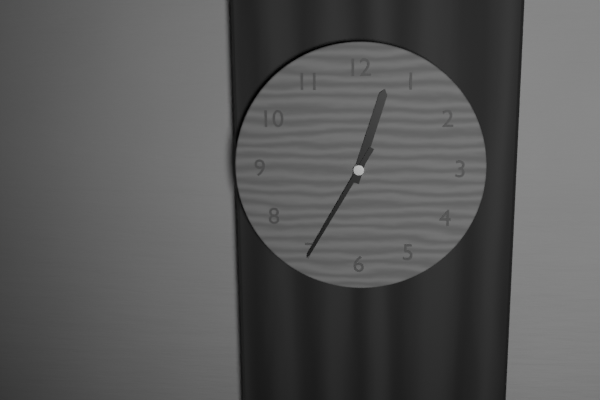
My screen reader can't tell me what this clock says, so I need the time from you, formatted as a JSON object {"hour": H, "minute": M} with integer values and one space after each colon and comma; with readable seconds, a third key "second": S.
{"hour": 12, "minute": 35}
